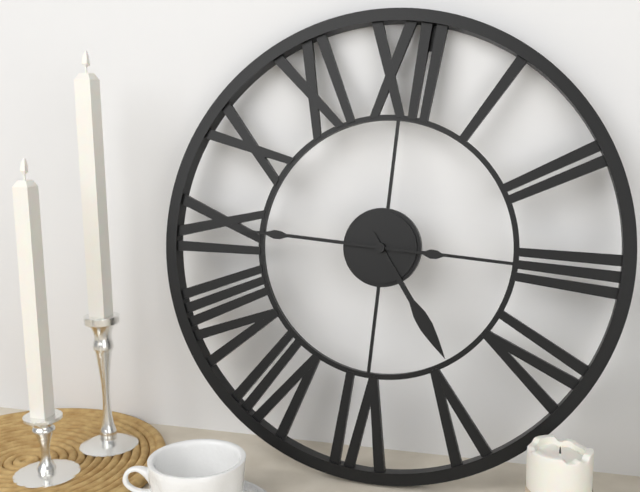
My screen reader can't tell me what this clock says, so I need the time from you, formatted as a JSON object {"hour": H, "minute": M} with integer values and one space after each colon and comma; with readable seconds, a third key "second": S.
{"hour": 4, "minute": 45}
